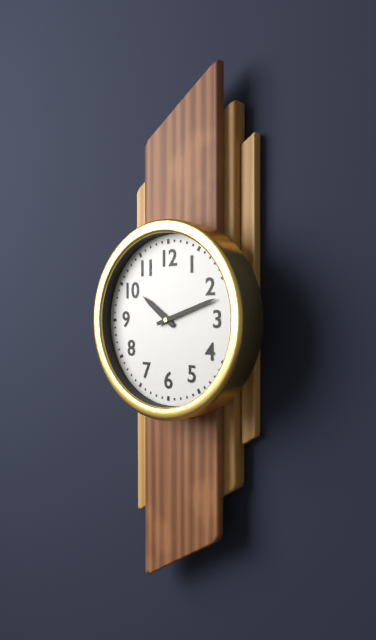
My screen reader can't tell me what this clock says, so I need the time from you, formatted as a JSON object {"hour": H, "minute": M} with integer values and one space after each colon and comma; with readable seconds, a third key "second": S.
{"hour": 10, "minute": 12}
